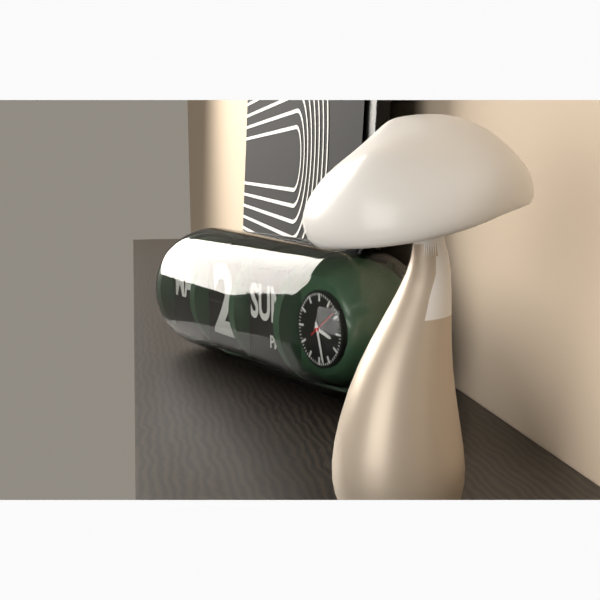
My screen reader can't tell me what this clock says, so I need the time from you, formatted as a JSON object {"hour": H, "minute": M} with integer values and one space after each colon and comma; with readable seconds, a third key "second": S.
{"hour": 3, "minute": 27}
